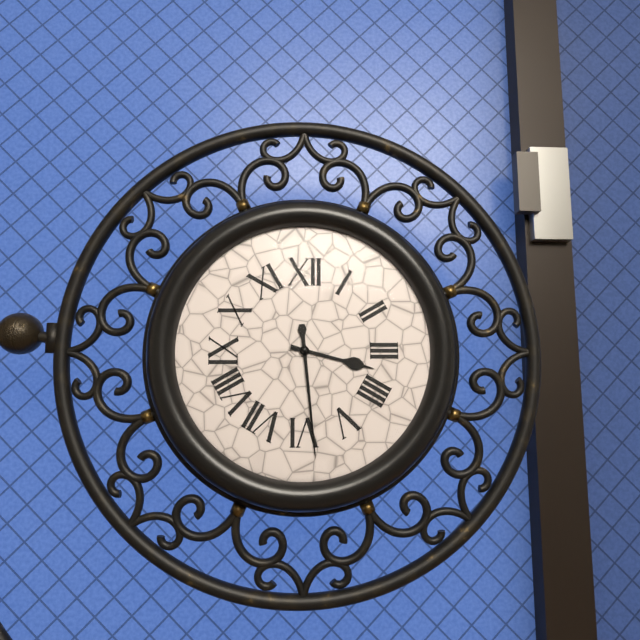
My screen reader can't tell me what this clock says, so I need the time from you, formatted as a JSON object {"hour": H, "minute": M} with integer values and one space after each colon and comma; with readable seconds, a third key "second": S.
{"hour": 3, "minute": 29}
